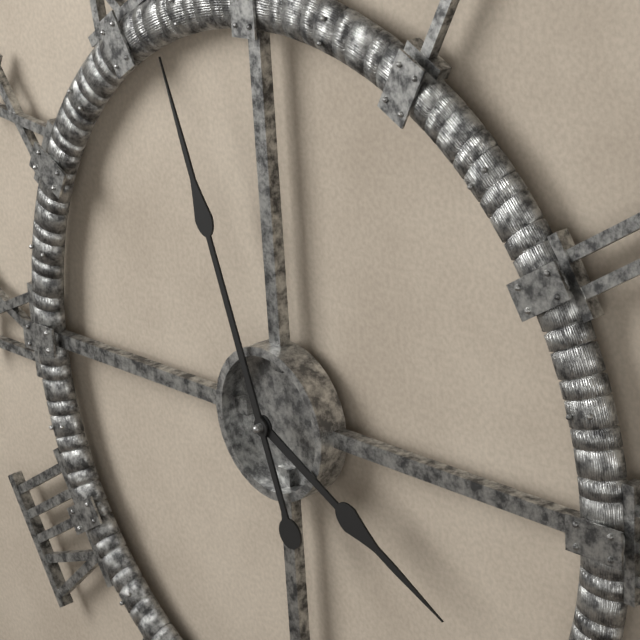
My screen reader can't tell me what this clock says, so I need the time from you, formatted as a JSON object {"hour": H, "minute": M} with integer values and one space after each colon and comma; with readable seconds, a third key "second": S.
{"hour": 3, "minute": 57}
